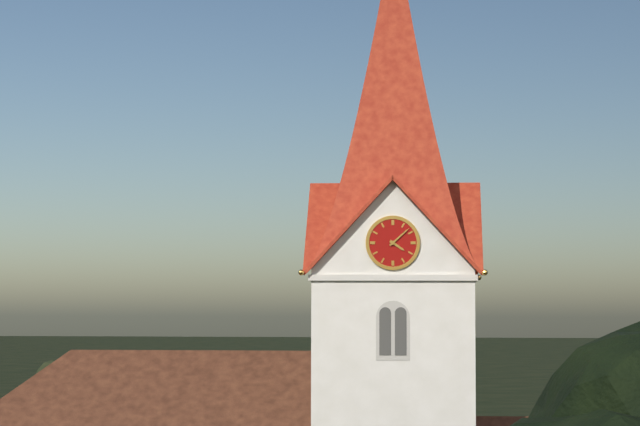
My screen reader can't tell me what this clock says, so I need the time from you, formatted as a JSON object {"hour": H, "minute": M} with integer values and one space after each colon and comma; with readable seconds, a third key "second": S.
{"hour": 4, "minute": 8}
